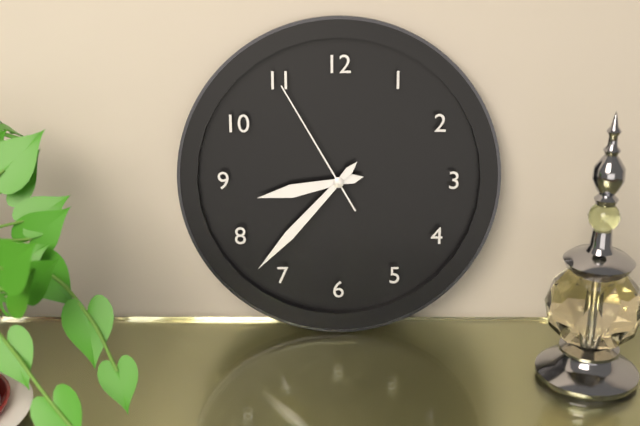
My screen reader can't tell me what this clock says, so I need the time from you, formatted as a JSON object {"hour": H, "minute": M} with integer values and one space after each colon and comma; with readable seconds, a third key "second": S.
{"hour": 8, "minute": 37, "second": 55}
